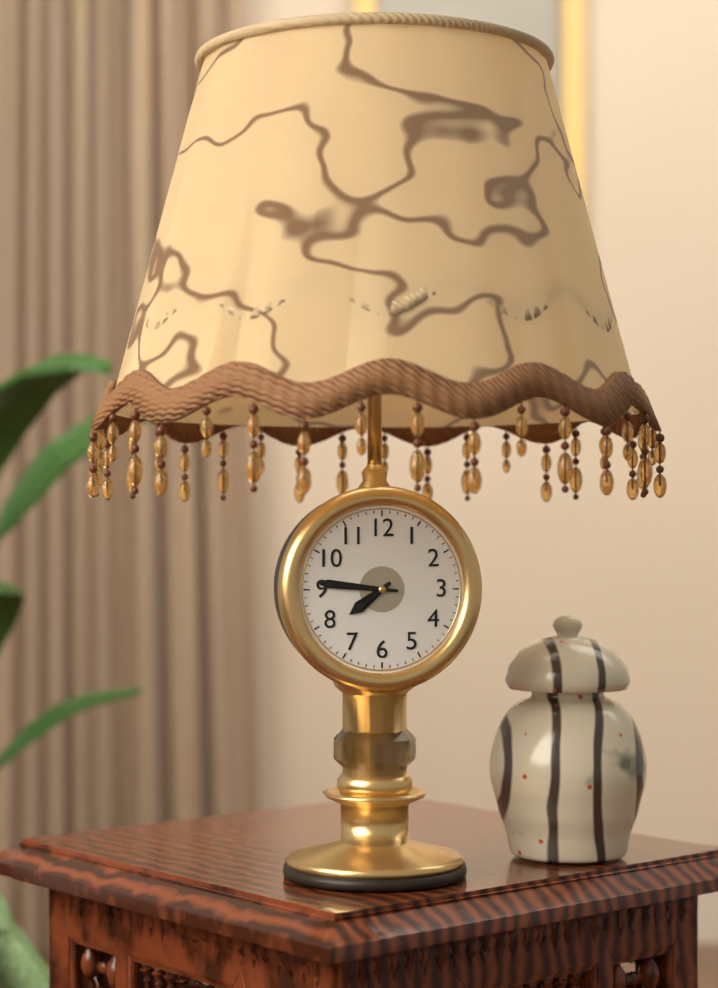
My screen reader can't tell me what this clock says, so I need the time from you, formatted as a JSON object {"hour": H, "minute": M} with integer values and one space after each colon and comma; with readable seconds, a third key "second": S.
{"hour": 7, "minute": 46}
